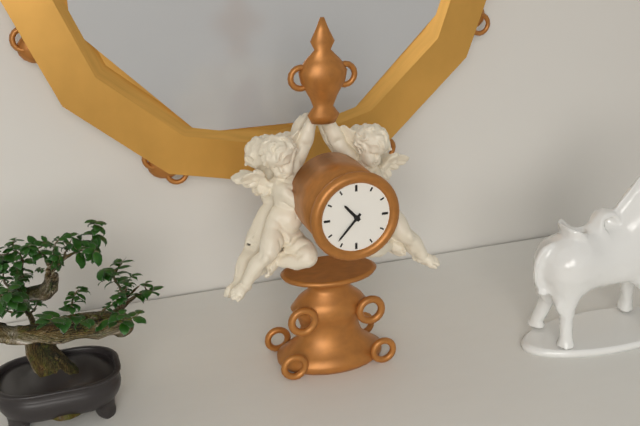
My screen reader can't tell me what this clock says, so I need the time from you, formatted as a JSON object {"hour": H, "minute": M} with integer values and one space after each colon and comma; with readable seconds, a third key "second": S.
{"hour": 10, "minute": 37}
